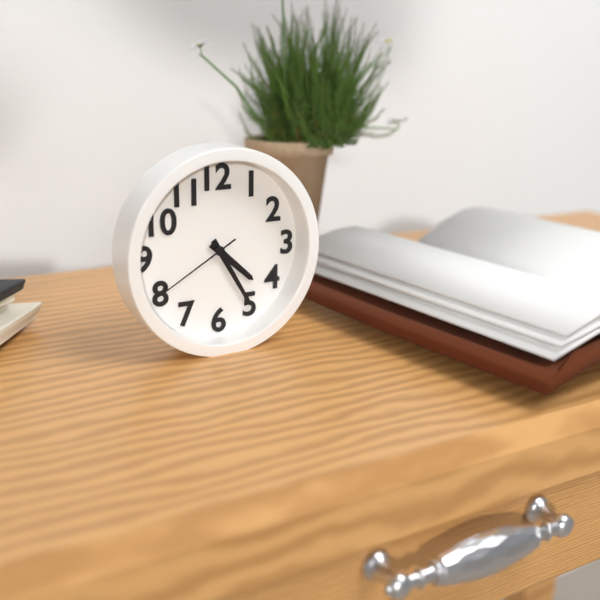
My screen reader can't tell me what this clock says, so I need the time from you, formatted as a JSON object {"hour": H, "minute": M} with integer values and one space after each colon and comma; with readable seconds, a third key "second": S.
{"hour": 4, "minute": 25, "second": 40}
